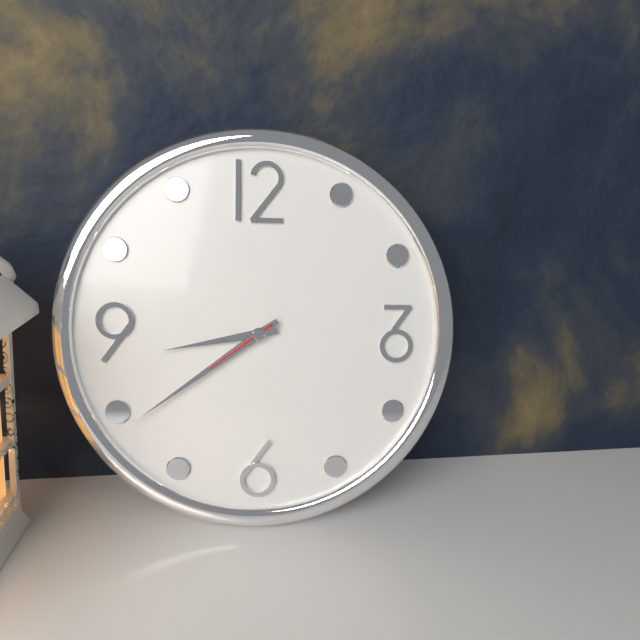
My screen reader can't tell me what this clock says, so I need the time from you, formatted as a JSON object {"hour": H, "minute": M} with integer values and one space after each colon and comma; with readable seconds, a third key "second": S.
{"hour": 8, "minute": 39, "second": 39}
